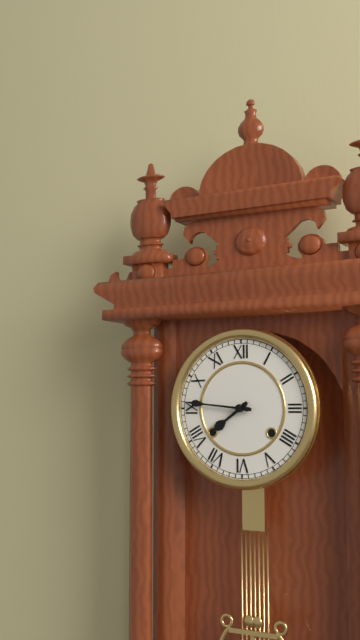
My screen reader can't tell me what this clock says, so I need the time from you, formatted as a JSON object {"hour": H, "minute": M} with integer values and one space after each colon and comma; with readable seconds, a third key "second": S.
{"hour": 7, "minute": 46}
